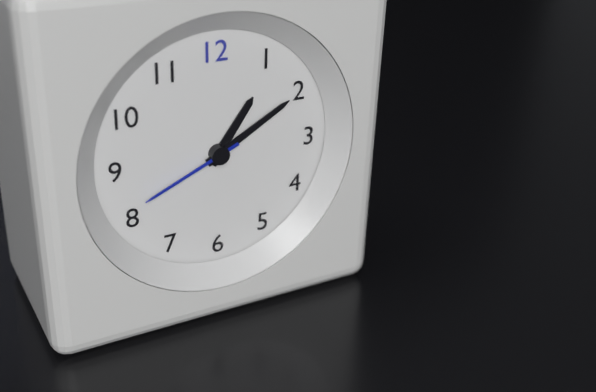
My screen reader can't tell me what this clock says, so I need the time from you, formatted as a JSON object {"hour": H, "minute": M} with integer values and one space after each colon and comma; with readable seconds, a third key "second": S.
{"hour": 1, "minute": 10, "second": 41}
